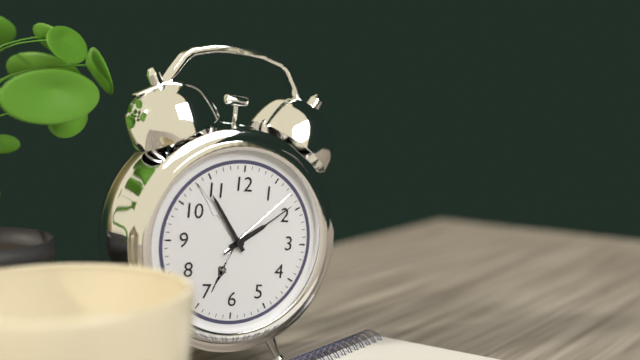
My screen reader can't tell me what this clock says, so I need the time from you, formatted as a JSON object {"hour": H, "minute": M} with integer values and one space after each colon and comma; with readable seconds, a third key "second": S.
{"hour": 1, "minute": 54, "second": 9}
